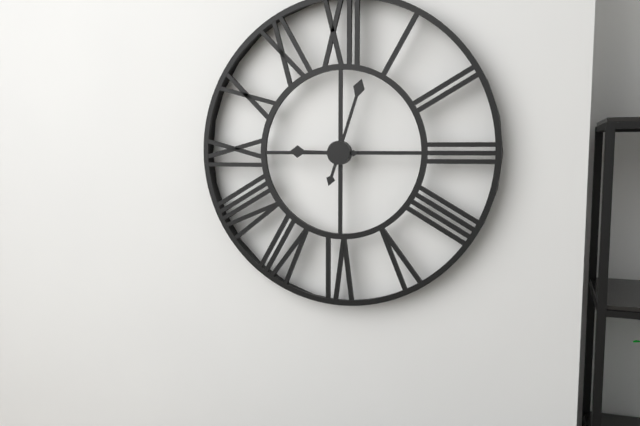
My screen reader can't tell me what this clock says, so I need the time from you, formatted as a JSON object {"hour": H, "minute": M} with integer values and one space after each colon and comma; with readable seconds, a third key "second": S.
{"hour": 9, "minute": 3}
